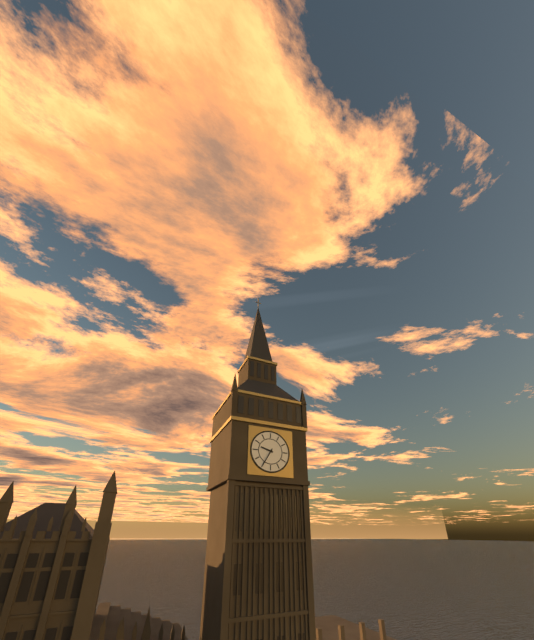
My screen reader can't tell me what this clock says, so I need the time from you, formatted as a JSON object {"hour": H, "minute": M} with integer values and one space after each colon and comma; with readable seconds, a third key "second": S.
{"hour": 9, "minute": 35}
